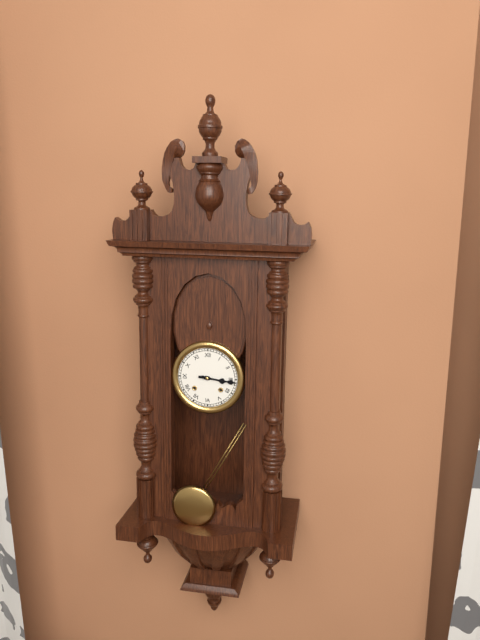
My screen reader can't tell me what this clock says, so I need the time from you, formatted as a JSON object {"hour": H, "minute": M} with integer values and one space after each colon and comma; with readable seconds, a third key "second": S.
{"hour": 3, "minute": 16}
